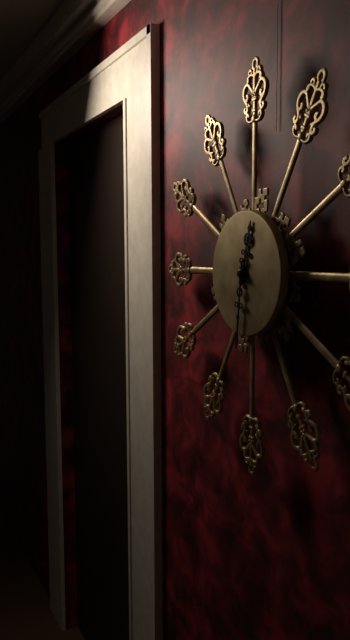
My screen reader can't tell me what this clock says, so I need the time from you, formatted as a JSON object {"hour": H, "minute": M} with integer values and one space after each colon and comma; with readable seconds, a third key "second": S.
{"hour": 12, "minute": 31}
